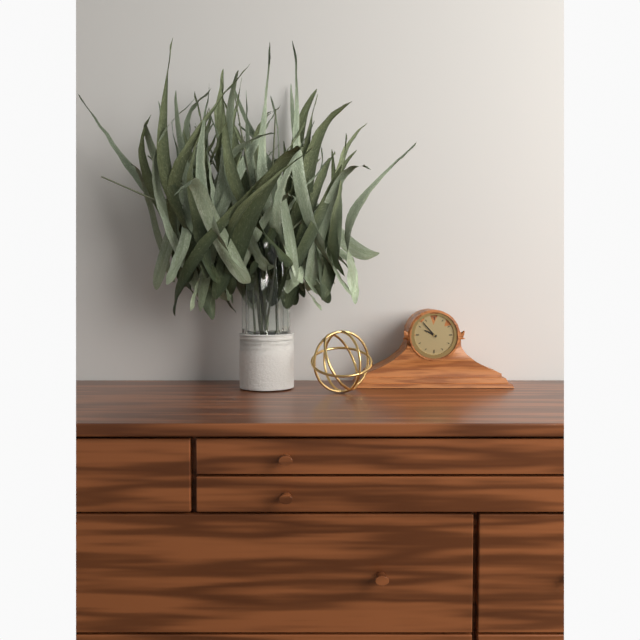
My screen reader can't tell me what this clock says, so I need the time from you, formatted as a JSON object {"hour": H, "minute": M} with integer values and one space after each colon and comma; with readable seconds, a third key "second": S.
{"hour": 9, "minute": 53}
